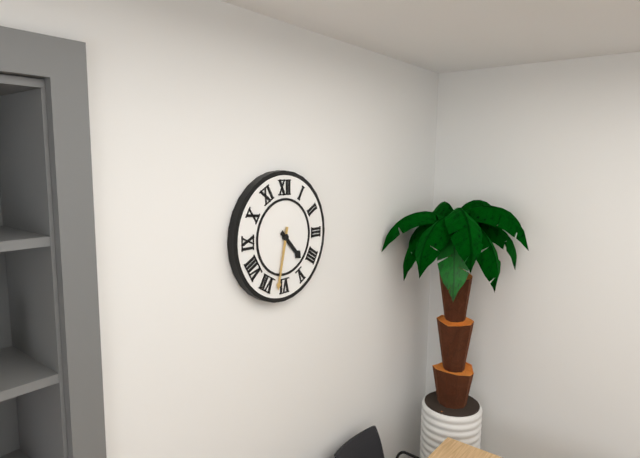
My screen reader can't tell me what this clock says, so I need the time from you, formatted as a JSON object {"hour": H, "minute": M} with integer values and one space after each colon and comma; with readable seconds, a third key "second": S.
{"hour": 4, "minute": 32}
